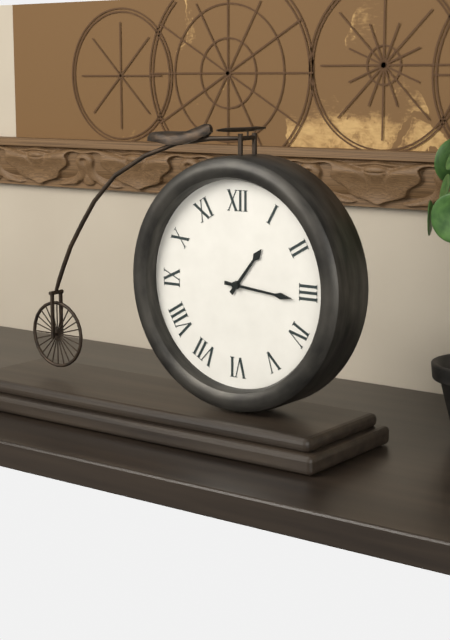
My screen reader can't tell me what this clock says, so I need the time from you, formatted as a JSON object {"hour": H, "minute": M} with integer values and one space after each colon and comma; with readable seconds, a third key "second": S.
{"hour": 1, "minute": 16}
